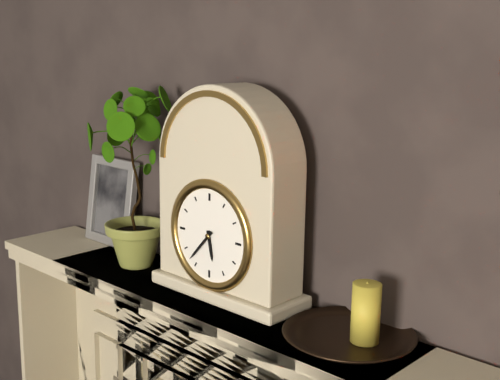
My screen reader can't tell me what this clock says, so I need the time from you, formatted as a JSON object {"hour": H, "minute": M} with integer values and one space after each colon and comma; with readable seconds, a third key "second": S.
{"hour": 5, "minute": 37}
